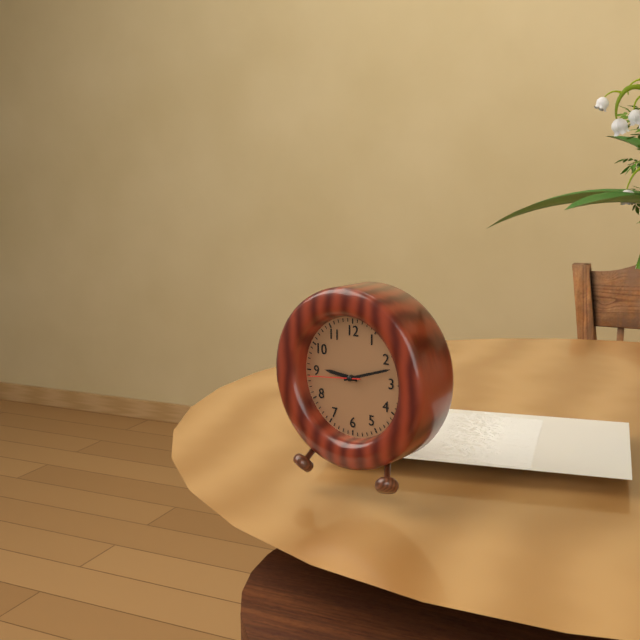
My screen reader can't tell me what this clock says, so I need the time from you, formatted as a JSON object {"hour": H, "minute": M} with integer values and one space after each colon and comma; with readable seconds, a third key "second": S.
{"hour": 9, "minute": 12, "second": 44}
